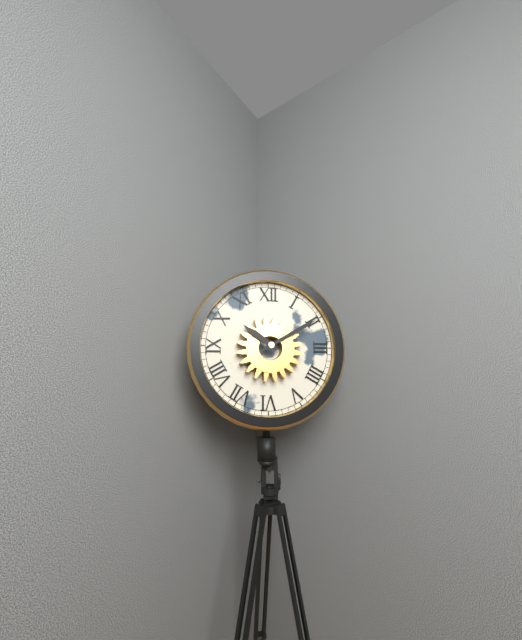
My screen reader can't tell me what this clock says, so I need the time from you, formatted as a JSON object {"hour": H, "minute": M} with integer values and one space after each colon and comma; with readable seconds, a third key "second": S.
{"hour": 10, "minute": 10}
